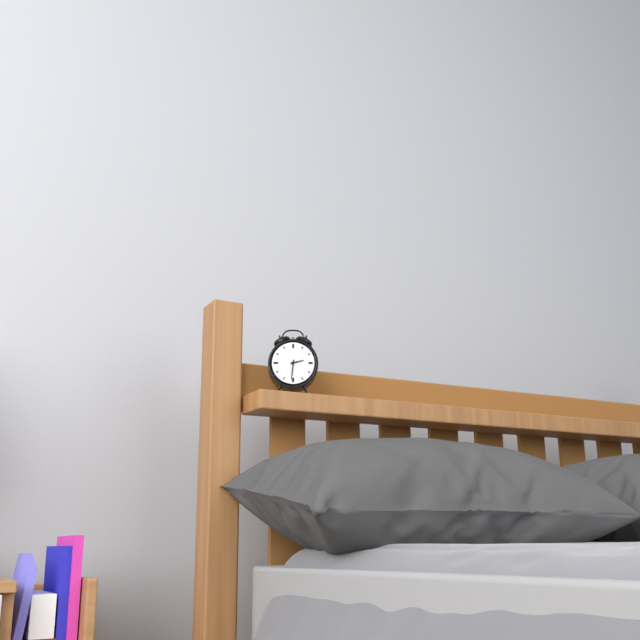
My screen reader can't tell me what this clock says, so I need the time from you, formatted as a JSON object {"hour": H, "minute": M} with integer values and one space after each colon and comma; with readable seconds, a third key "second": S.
{"hour": 2, "minute": 31}
